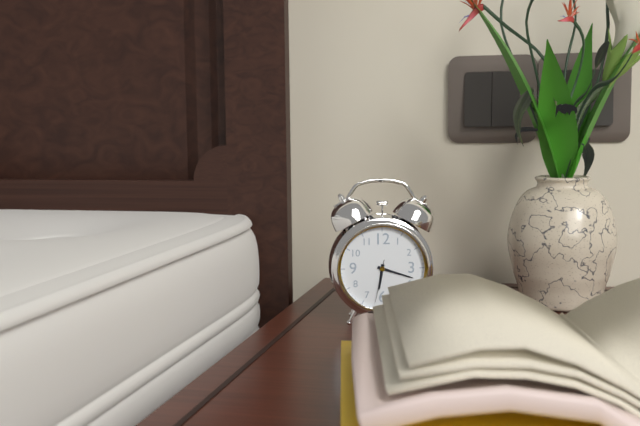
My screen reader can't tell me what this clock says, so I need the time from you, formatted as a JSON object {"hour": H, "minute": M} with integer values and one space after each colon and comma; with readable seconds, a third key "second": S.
{"hour": 6, "minute": 18}
